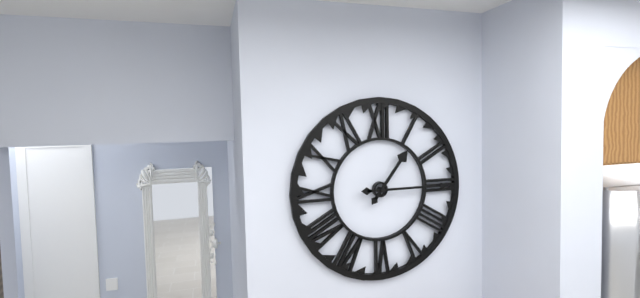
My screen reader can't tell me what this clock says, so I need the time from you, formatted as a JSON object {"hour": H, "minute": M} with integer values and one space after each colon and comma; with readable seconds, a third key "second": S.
{"hour": 1, "minute": 15}
